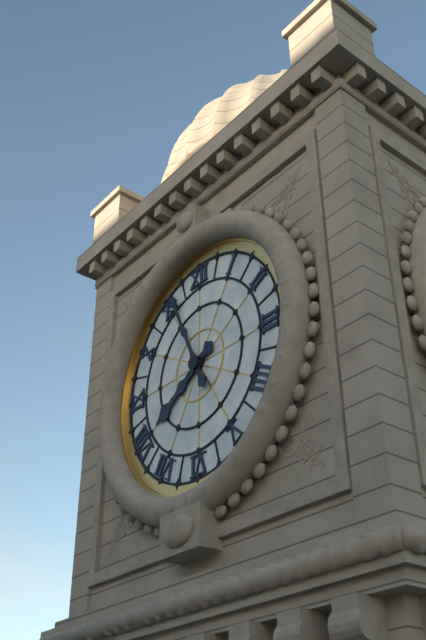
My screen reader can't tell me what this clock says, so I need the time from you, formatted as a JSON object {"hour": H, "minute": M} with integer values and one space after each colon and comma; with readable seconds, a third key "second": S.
{"hour": 7, "minute": 56}
